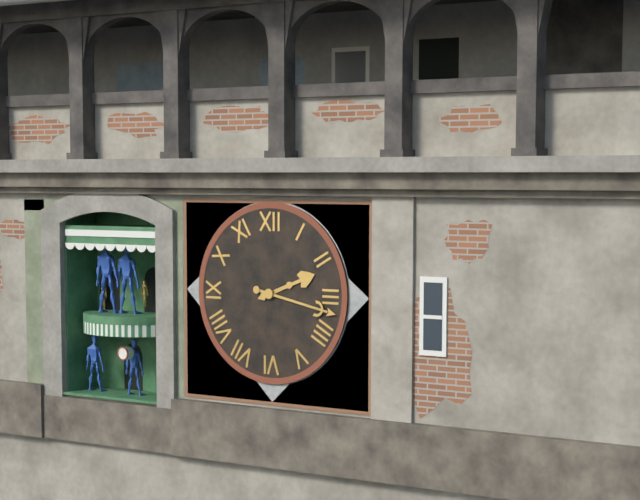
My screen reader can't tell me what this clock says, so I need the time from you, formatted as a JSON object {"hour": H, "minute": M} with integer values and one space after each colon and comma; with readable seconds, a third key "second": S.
{"hour": 2, "minute": 17}
